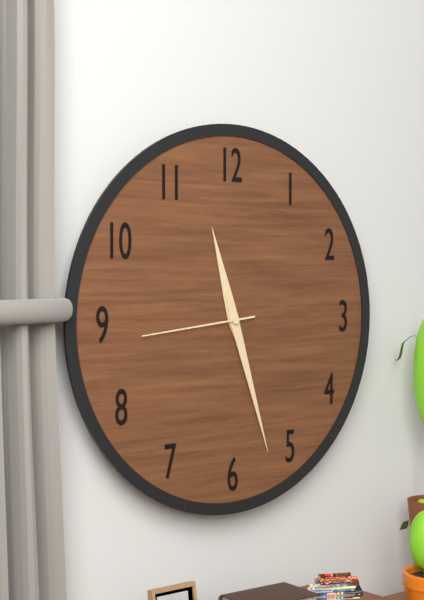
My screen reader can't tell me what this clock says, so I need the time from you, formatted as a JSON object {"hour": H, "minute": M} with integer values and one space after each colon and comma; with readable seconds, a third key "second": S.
{"hour": 11, "minute": 27, "second": 44}
